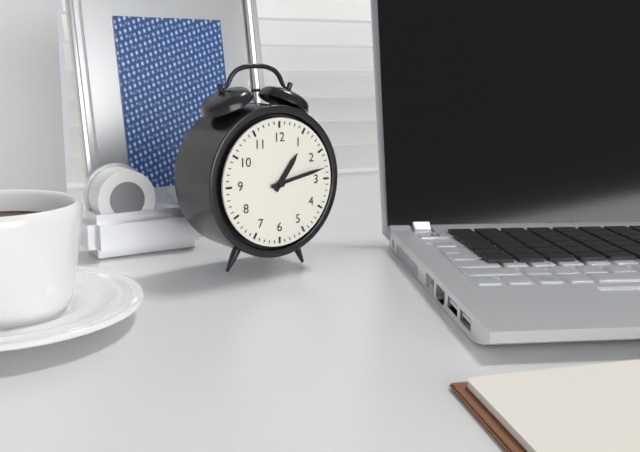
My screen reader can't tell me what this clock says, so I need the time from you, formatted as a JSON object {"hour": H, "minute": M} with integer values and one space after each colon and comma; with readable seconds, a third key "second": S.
{"hour": 1, "minute": 13}
